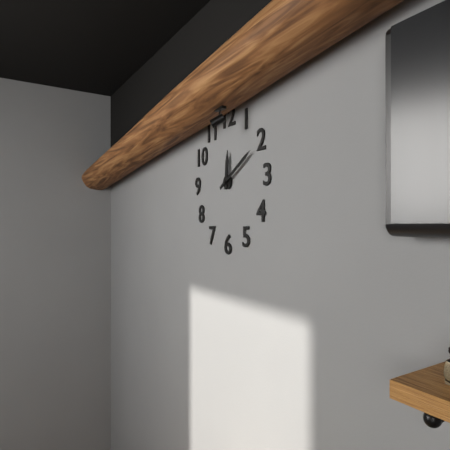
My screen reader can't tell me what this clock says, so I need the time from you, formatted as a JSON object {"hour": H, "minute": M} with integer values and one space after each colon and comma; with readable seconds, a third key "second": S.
{"hour": 12, "minute": 10}
